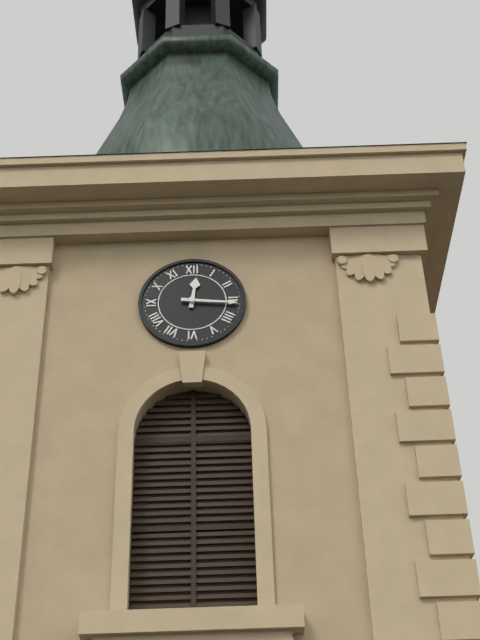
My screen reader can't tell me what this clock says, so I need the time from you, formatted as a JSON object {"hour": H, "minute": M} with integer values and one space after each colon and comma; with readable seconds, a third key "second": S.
{"hour": 12, "minute": 16}
